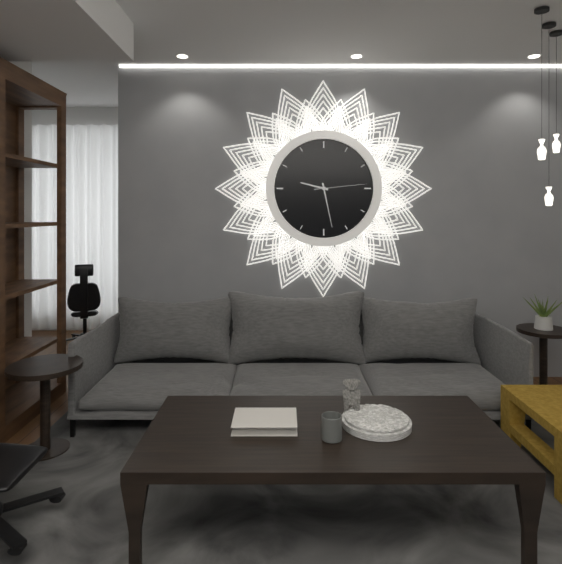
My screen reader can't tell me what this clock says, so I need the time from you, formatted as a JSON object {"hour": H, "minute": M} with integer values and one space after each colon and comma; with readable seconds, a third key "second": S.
{"hour": 9, "minute": 28, "second": 14}
